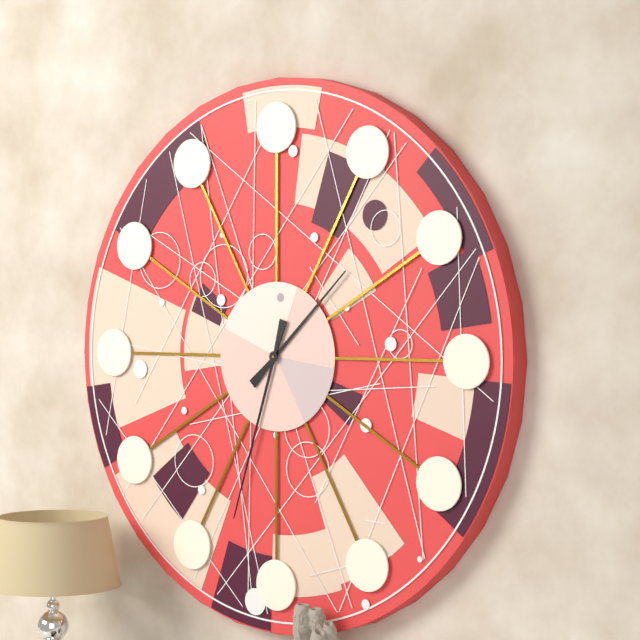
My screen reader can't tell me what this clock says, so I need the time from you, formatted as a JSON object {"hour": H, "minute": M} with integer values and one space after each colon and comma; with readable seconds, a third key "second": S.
{"hour": 1, "minute": 33}
